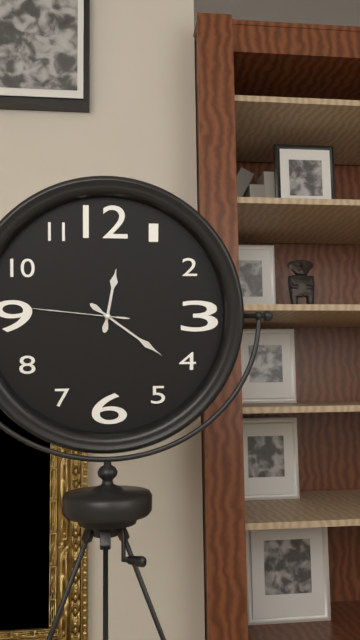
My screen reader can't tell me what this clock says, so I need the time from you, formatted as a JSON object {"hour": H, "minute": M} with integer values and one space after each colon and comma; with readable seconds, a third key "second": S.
{"hour": 12, "minute": 21, "second": 46}
